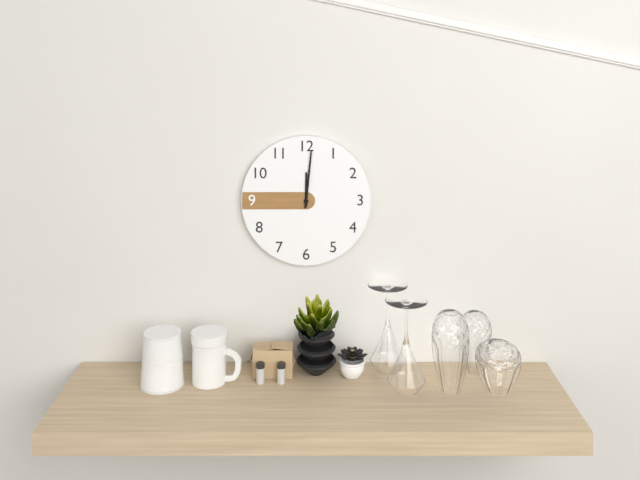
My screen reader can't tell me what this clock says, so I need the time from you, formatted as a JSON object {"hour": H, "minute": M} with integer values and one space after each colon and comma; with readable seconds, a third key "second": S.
{"hour": 12, "minute": 1}
